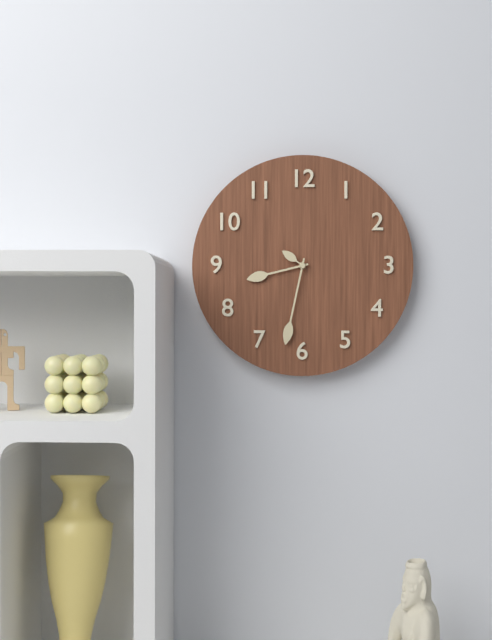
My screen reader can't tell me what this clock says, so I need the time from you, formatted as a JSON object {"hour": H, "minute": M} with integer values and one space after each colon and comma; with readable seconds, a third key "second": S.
{"hour": 8, "minute": 32}
